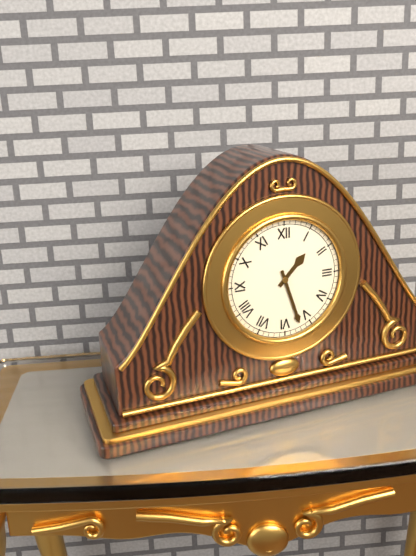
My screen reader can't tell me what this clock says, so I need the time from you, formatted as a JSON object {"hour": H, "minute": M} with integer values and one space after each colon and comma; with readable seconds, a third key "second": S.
{"hour": 1, "minute": 27}
